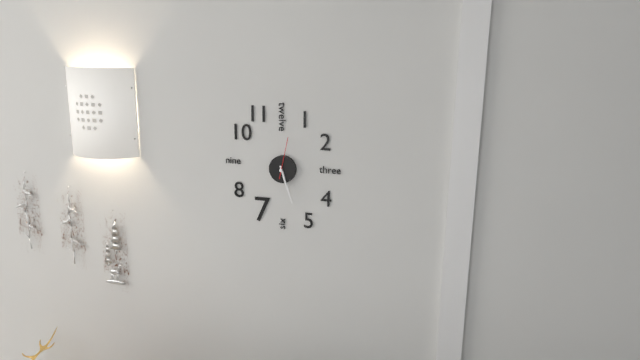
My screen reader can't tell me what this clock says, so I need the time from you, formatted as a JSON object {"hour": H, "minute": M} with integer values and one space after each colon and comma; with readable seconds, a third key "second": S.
{"hour": 5, "minute": 27}
